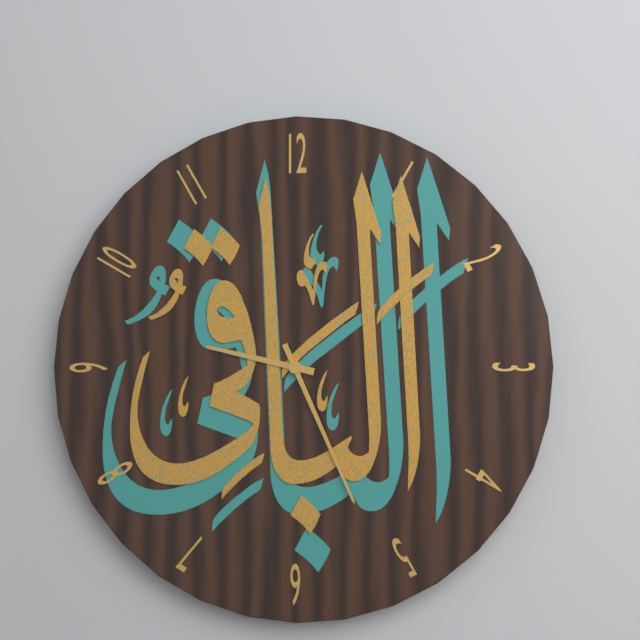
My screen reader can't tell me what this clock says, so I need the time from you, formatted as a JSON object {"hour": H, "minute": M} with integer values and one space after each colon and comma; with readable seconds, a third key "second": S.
{"hour": 9, "minute": 26}
